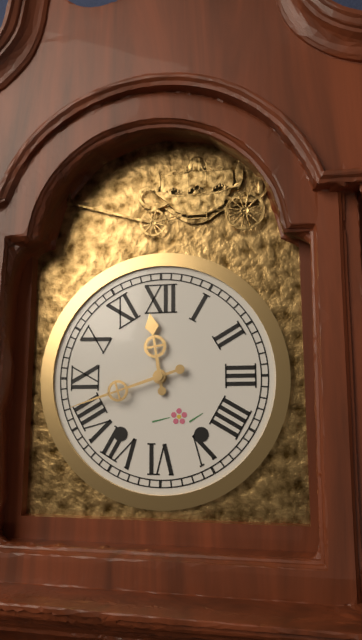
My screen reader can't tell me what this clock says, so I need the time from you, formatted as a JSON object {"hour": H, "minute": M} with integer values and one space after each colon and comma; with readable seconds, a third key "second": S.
{"hour": 11, "minute": 42}
